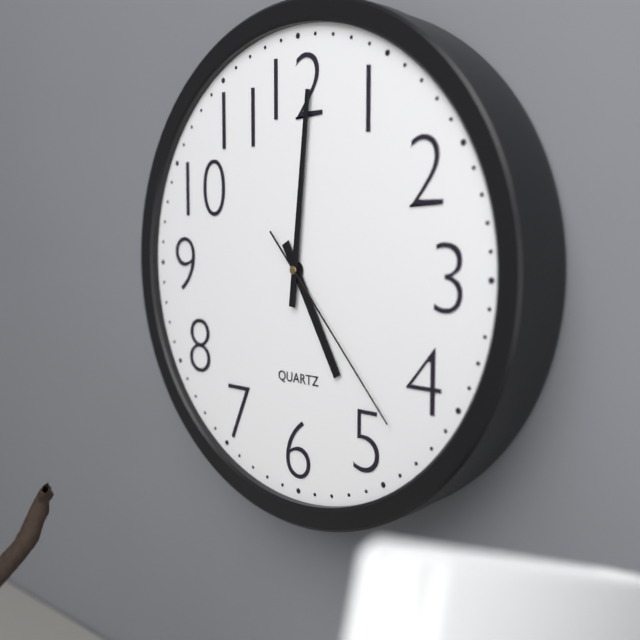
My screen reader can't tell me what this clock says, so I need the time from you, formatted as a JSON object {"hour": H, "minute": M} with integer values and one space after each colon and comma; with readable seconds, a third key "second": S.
{"hour": 5, "minute": 1, "second": 23}
